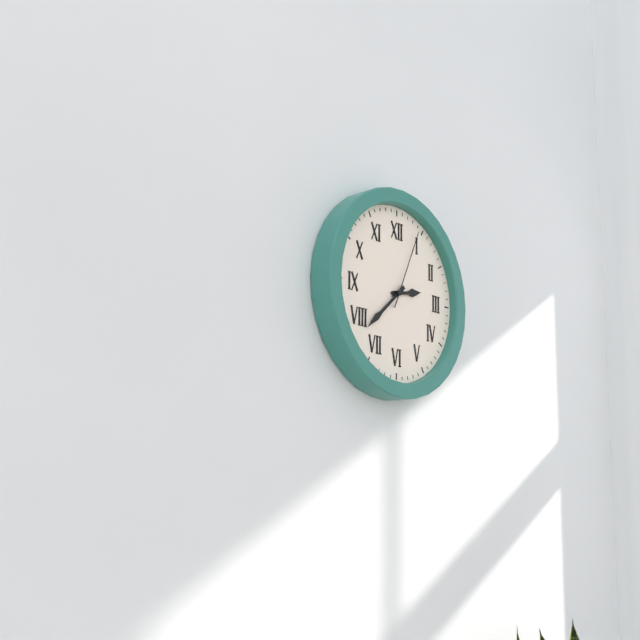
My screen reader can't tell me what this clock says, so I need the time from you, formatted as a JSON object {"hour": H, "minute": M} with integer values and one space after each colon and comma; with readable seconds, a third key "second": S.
{"hour": 2, "minute": 38, "second": 4}
